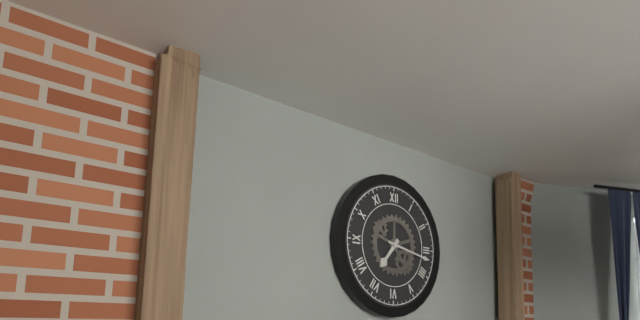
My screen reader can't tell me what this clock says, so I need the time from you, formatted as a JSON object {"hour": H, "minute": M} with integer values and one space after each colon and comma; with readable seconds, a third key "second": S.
{"hour": 7, "minute": 17}
